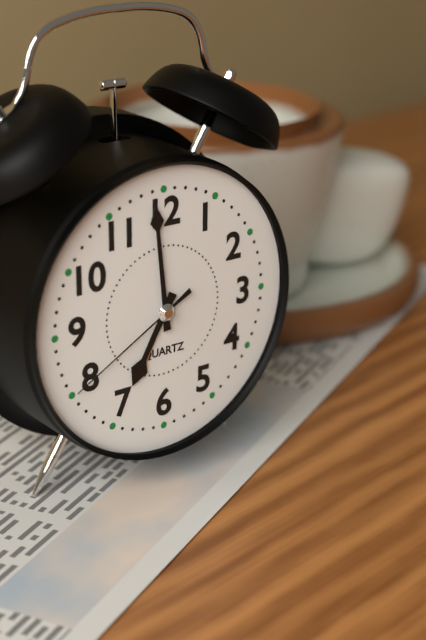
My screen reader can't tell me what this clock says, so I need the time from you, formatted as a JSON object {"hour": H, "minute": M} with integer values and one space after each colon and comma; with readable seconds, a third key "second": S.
{"hour": 6, "minute": 59, "second": 40}
